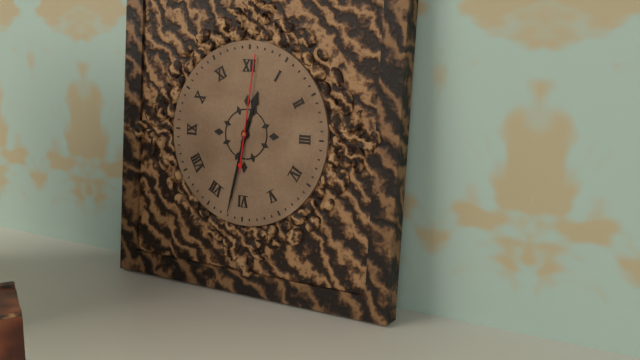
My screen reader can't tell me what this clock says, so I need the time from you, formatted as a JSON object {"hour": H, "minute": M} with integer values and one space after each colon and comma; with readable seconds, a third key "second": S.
{"hour": 12, "minute": 32, "second": 1}
